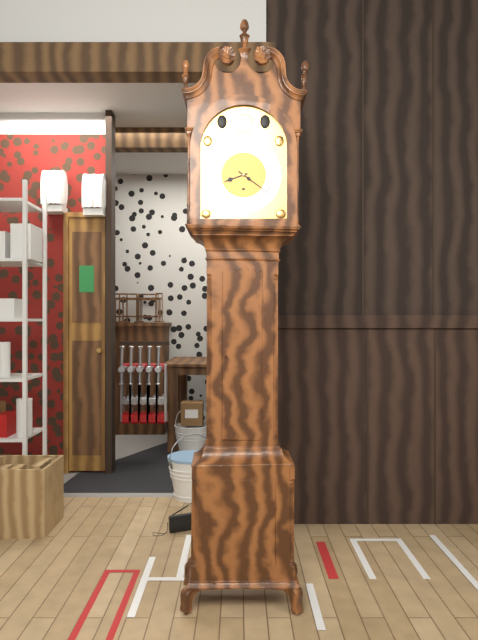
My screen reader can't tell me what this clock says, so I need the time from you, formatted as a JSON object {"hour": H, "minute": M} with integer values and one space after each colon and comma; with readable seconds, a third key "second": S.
{"hour": 8, "minute": 21}
